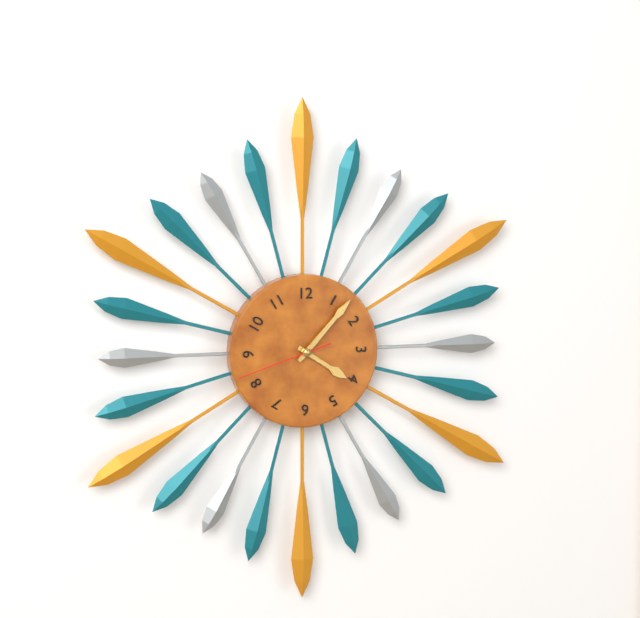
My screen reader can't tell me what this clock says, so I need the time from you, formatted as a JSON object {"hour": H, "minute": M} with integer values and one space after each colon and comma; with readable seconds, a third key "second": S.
{"hour": 4, "minute": 7, "second": 42}
